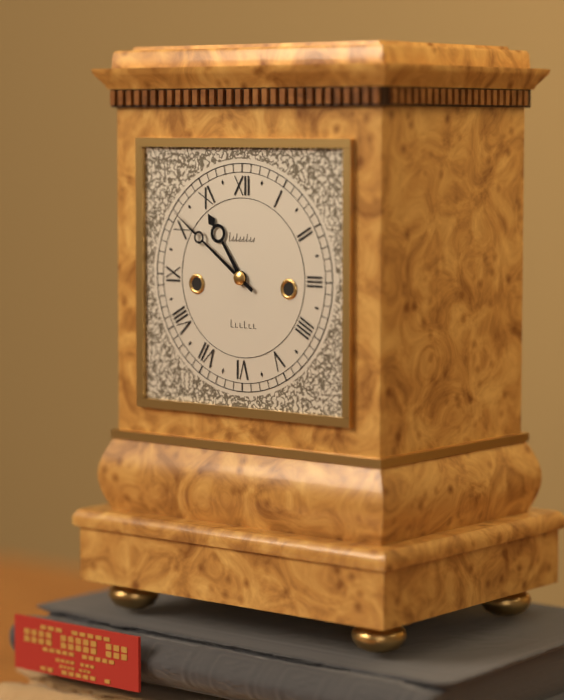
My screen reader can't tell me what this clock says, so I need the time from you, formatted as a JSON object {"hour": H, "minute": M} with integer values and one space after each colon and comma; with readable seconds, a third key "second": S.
{"hour": 10, "minute": 51}
